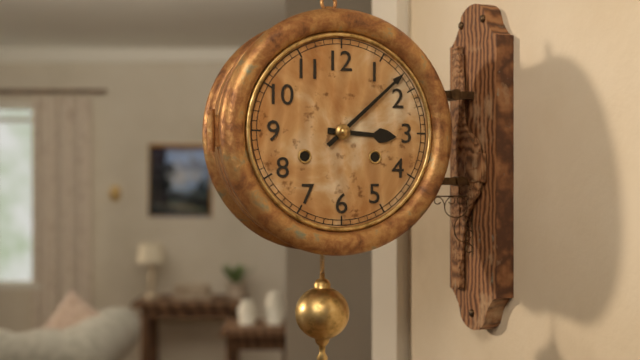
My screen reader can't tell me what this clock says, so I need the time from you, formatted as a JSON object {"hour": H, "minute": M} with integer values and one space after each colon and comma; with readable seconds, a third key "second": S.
{"hour": 3, "minute": 8}
